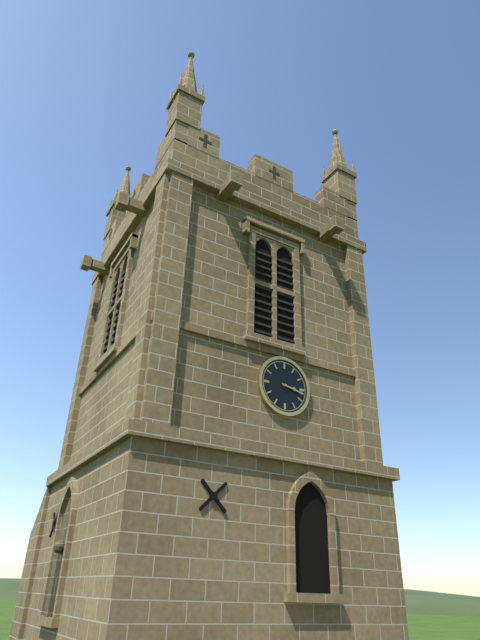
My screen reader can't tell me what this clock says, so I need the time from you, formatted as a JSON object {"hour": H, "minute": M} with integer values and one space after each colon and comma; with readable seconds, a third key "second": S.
{"hour": 3, "minute": 17}
